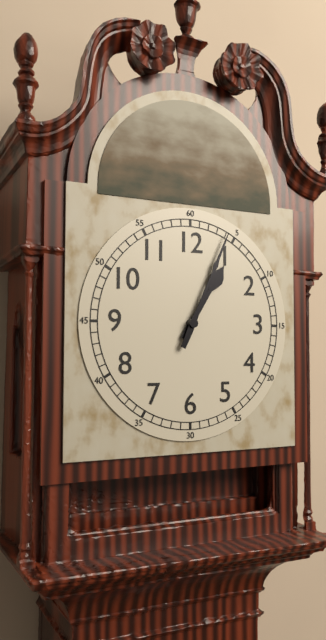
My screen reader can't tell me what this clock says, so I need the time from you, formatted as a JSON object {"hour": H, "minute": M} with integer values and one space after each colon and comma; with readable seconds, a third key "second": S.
{"hour": 1, "minute": 4}
